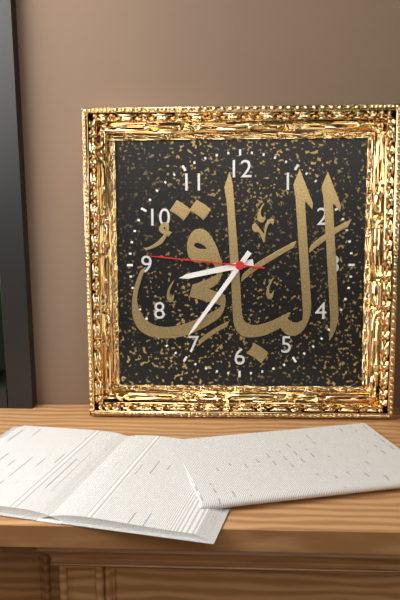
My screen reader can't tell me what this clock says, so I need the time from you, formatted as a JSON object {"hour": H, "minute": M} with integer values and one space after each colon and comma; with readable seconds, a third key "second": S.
{"hour": 8, "minute": 36, "second": 46}
